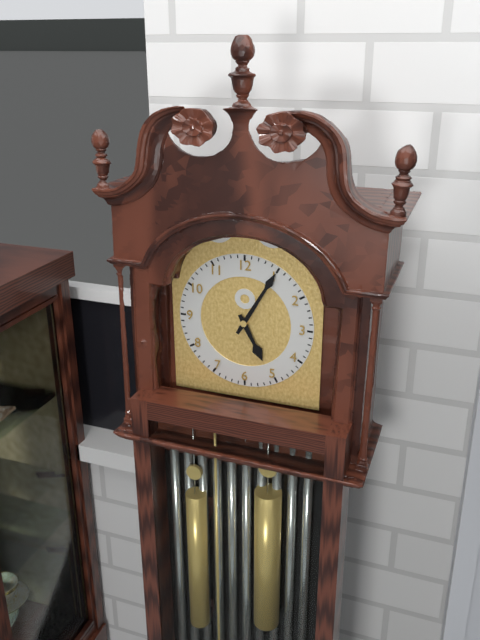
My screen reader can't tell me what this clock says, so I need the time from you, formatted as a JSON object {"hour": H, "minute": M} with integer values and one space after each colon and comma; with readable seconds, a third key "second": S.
{"hour": 5, "minute": 5}
